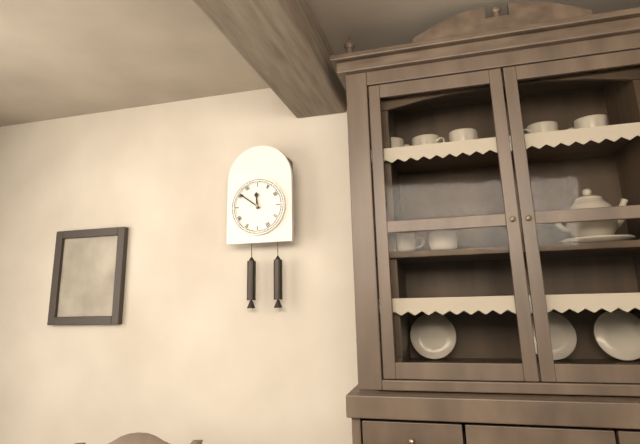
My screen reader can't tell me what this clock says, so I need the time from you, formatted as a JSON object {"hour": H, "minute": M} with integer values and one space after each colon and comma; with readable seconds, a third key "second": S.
{"hour": 11, "minute": 51}
